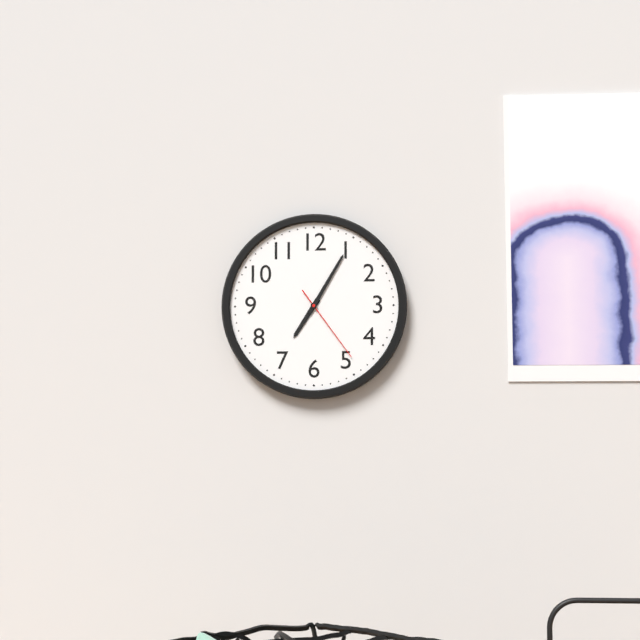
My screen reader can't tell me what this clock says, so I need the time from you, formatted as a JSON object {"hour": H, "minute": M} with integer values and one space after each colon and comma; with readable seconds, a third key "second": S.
{"hour": 7, "minute": 5, "second": 24}
